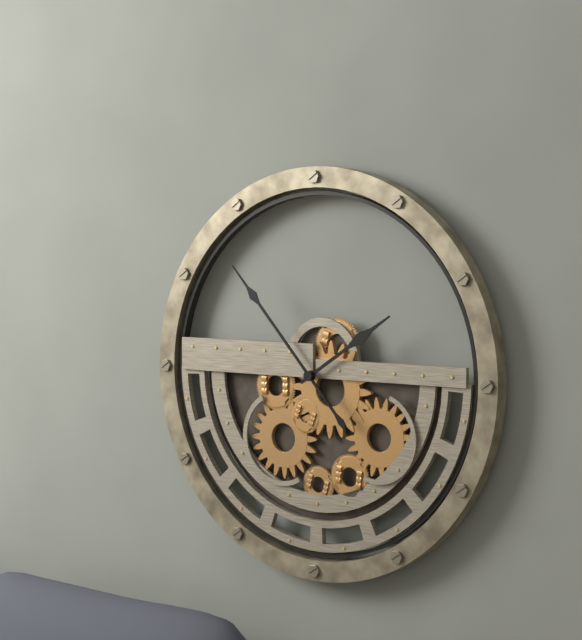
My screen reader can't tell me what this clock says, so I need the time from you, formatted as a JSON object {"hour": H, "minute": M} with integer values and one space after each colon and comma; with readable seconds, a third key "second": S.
{"hour": 1, "minute": 53}
